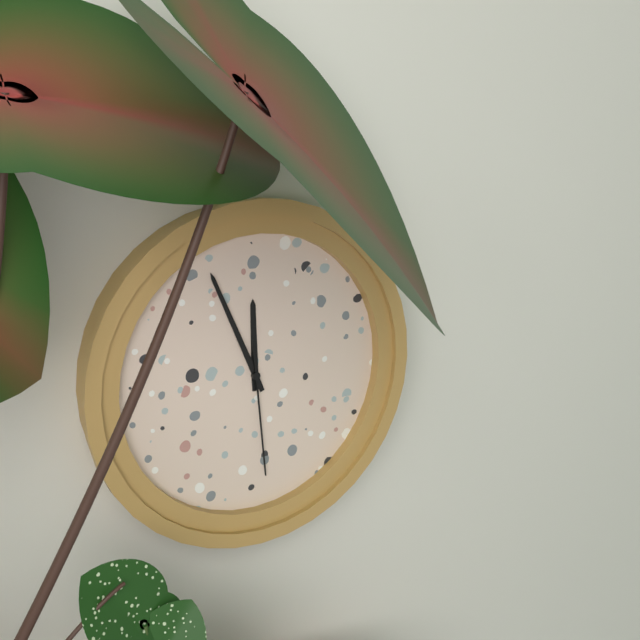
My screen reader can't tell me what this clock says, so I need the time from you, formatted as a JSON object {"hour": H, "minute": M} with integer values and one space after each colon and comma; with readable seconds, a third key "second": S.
{"hour": 11, "minute": 56, "second": 29}
